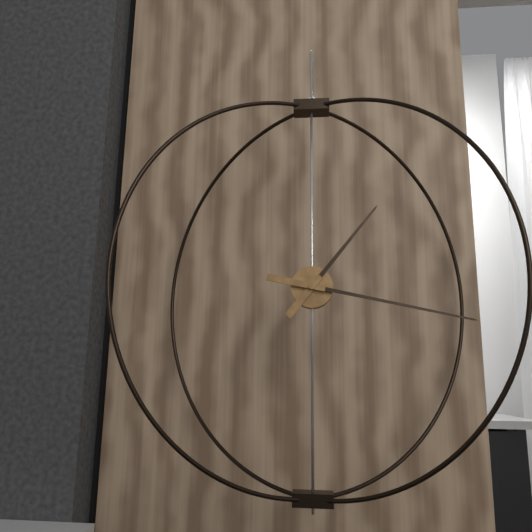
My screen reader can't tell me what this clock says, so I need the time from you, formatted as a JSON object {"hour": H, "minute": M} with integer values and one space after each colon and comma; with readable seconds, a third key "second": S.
{"hour": 1, "minute": 17}
